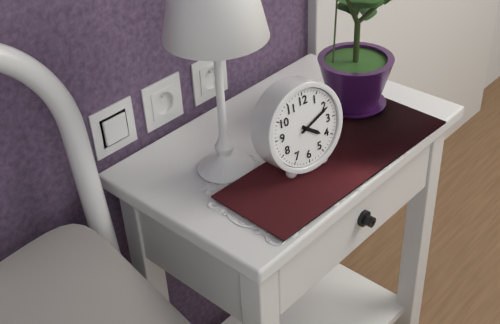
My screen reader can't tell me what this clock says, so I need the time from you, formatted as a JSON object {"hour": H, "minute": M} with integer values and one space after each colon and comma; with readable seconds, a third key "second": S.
{"hour": 4, "minute": 11}
